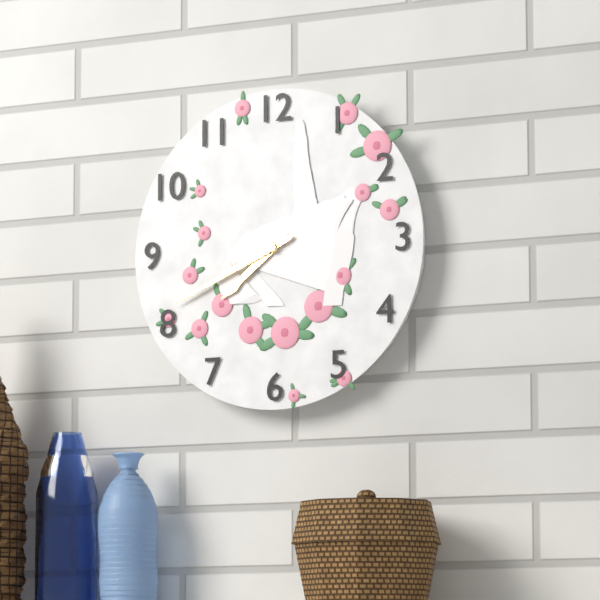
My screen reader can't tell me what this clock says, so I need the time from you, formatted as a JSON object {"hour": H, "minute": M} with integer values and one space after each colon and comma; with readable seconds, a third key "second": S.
{"hour": 7, "minute": 41}
